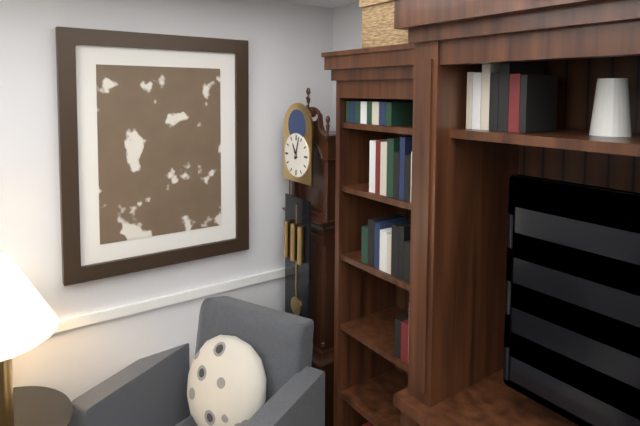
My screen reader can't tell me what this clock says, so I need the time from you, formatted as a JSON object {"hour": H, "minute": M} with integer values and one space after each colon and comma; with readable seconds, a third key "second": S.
{"hour": 11, "minute": 3}
